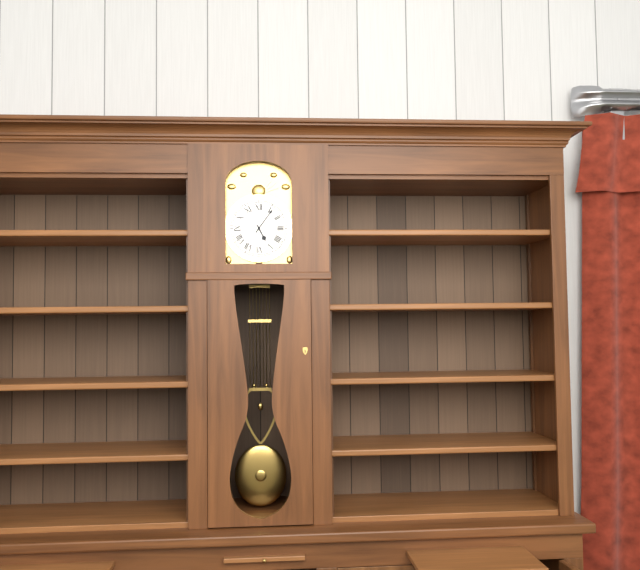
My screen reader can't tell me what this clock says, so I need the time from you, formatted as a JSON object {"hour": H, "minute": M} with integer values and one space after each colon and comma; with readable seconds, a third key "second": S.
{"hour": 5, "minute": 6}
